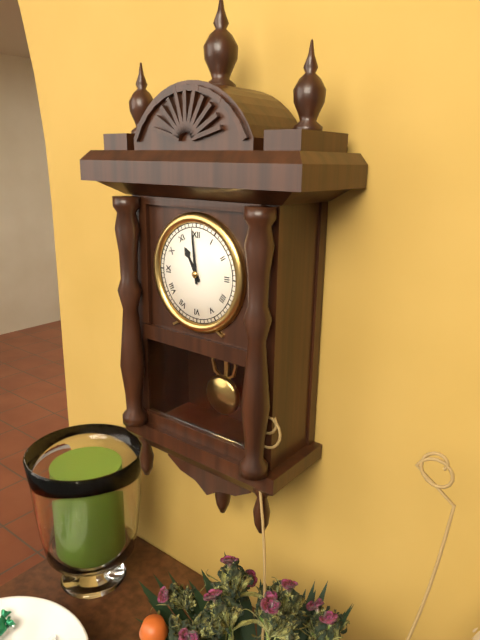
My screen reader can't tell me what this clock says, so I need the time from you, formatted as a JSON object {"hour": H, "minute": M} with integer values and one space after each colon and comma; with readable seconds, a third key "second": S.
{"hour": 10, "minute": 59}
